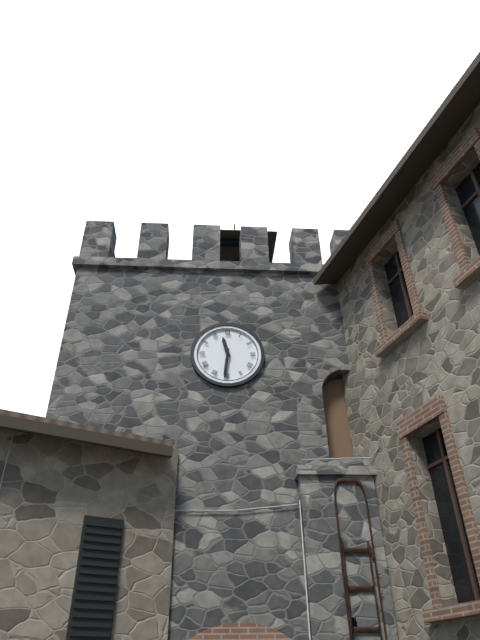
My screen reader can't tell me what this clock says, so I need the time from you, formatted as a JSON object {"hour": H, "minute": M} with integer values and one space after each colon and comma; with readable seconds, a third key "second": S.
{"hour": 11, "minute": 31}
